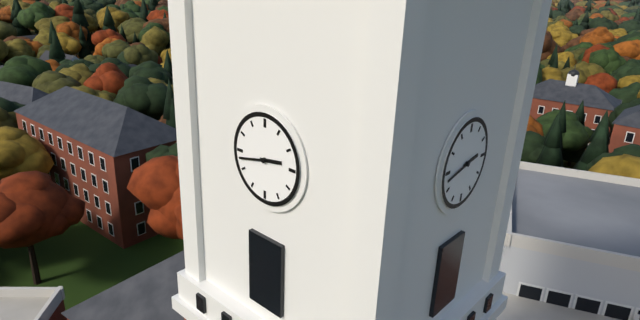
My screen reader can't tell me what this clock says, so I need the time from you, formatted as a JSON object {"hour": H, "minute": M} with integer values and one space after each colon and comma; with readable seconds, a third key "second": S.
{"hour": 2, "minute": 43}
